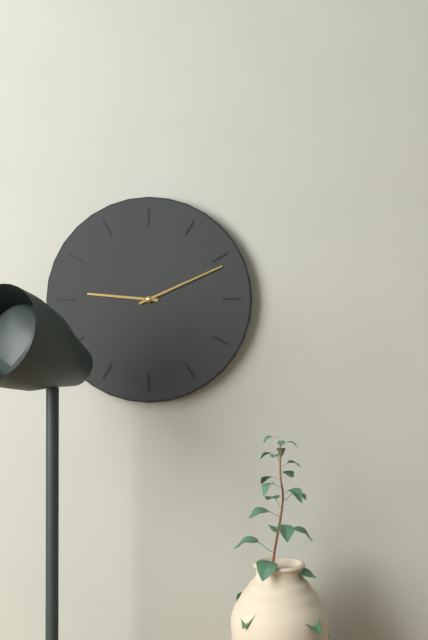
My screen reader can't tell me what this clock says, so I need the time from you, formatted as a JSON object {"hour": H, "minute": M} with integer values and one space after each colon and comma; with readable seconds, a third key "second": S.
{"hour": 9, "minute": 11}
